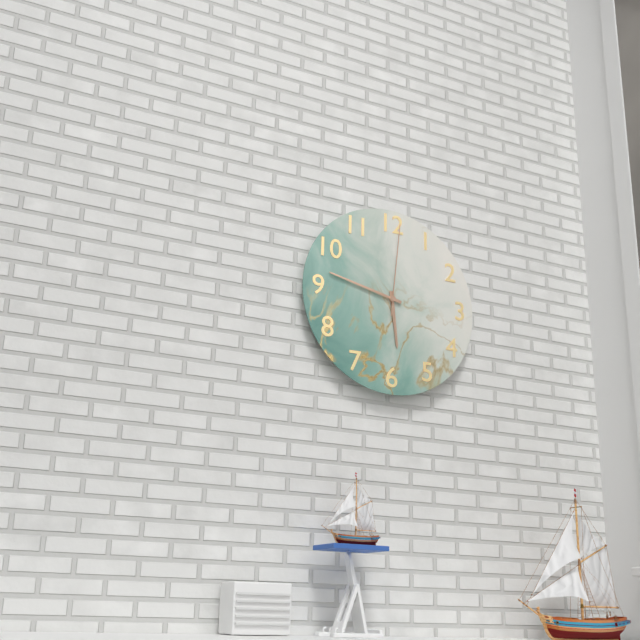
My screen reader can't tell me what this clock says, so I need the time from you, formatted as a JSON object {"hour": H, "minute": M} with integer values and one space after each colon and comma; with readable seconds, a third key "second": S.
{"hour": 5, "minute": 47, "second": 1}
